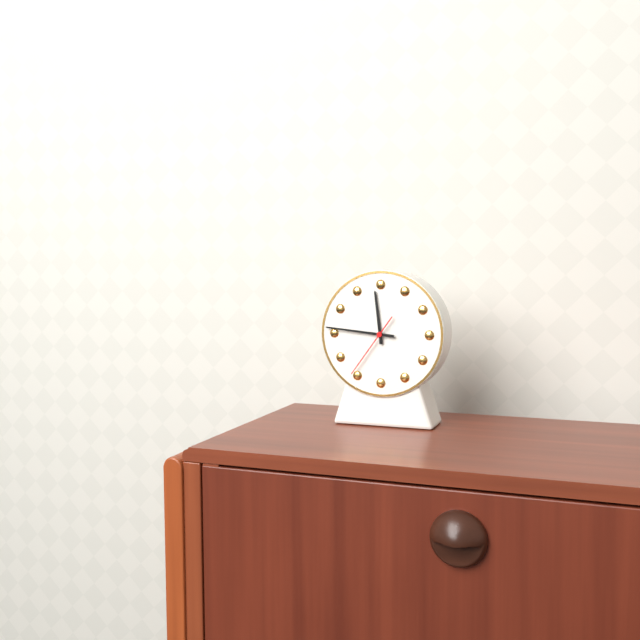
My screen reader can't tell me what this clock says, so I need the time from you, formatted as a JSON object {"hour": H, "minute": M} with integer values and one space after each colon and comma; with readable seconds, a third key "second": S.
{"hour": 11, "minute": 46, "second": 36}
